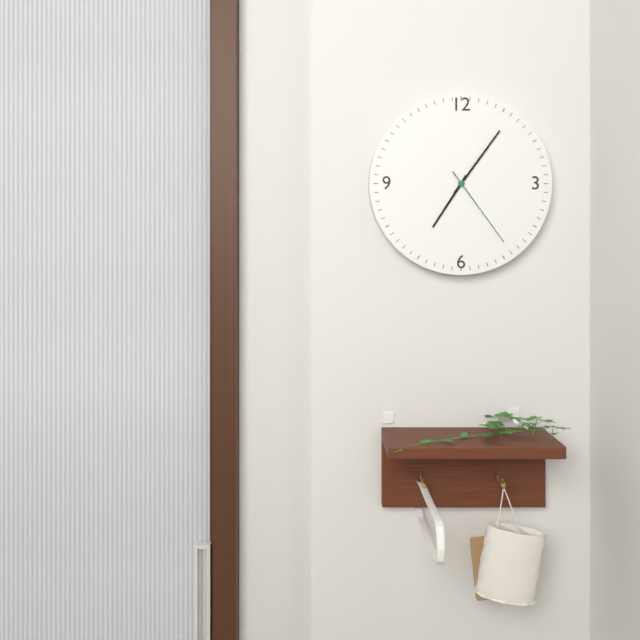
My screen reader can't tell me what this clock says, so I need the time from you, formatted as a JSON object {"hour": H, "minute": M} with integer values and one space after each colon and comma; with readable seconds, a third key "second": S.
{"hour": 7, "minute": 6, "second": 24}
